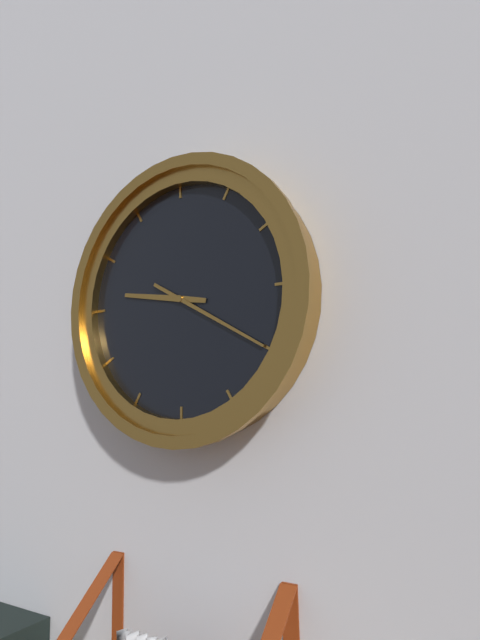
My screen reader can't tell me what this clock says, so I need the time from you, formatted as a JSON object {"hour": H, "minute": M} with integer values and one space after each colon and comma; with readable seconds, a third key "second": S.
{"hour": 9, "minute": 20}
